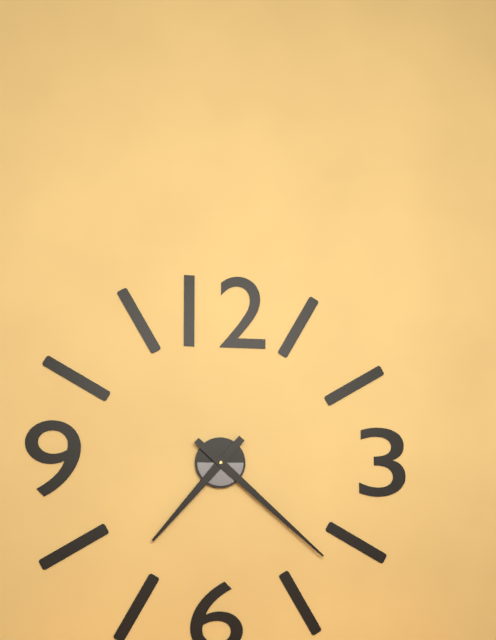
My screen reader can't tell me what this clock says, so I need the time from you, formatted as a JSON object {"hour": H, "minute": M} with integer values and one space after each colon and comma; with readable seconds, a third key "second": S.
{"hour": 7, "minute": 22}
